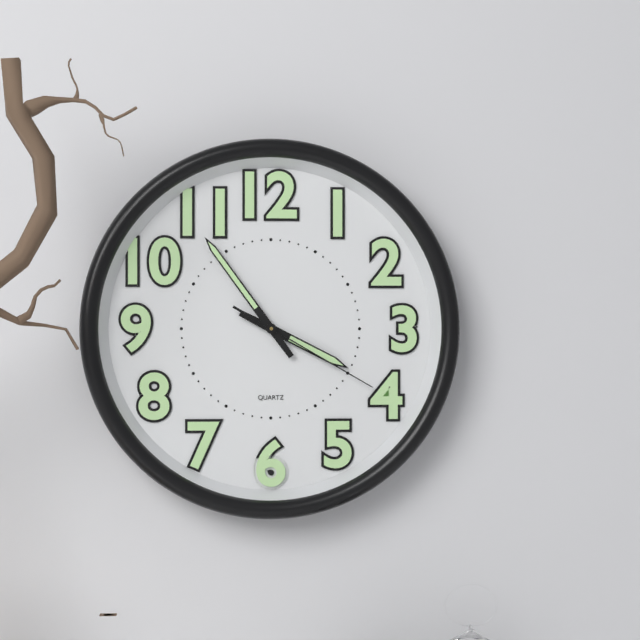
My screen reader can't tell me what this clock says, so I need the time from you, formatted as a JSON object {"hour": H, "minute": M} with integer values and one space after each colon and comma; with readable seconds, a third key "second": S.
{"hour": 3, "minute": 54, "second": 20}
